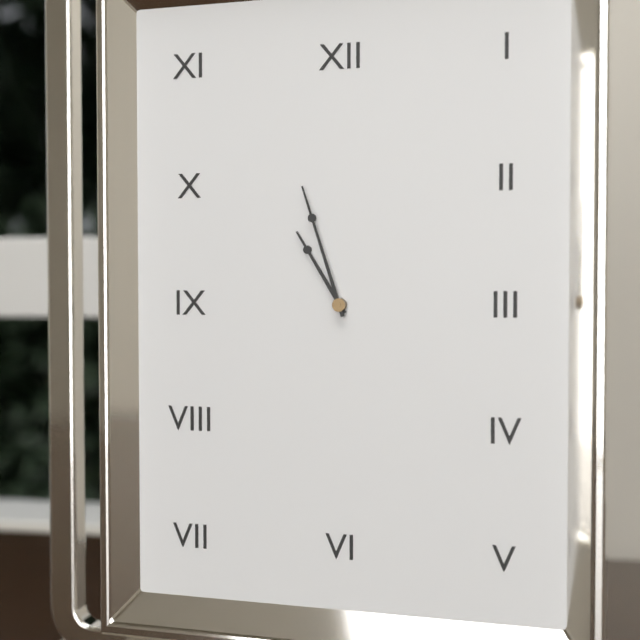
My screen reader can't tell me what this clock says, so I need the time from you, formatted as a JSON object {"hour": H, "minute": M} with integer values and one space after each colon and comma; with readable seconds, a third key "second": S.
{"hour": 10, "minute": 57}
